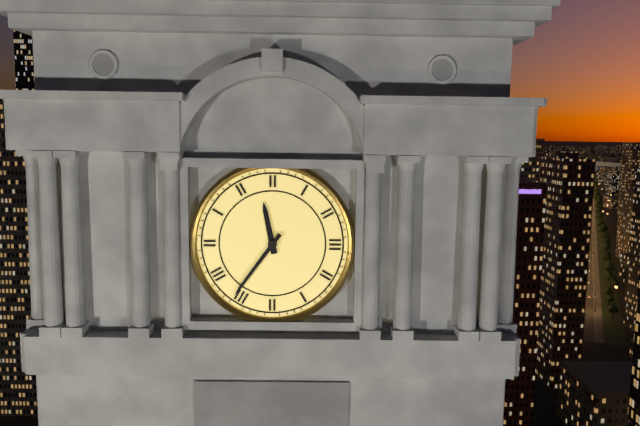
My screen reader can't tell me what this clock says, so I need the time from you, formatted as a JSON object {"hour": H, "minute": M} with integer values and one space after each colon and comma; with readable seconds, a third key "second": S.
{"hour": 11, "minute": 36}
